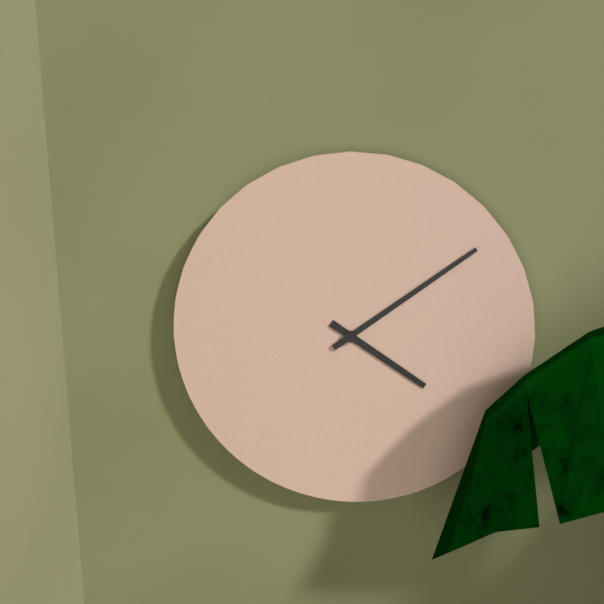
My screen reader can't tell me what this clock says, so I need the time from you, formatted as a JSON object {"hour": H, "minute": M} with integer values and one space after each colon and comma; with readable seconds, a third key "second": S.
{"hour": 4, "minute": 9}
